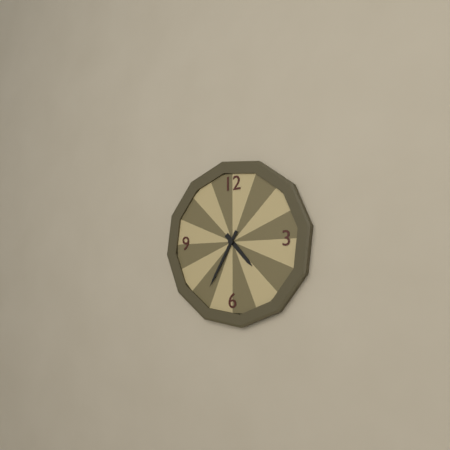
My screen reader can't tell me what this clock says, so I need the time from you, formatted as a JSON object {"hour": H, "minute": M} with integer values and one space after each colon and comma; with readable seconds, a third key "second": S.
{"hour": 4, "minute": 35}
